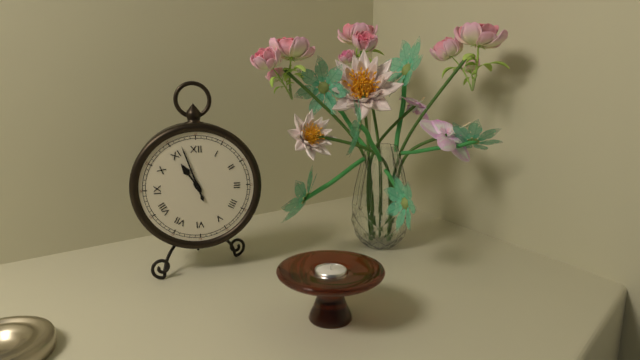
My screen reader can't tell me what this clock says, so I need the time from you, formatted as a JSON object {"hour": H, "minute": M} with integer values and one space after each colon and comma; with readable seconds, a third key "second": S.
{"hour": 10, "minute": 57}
